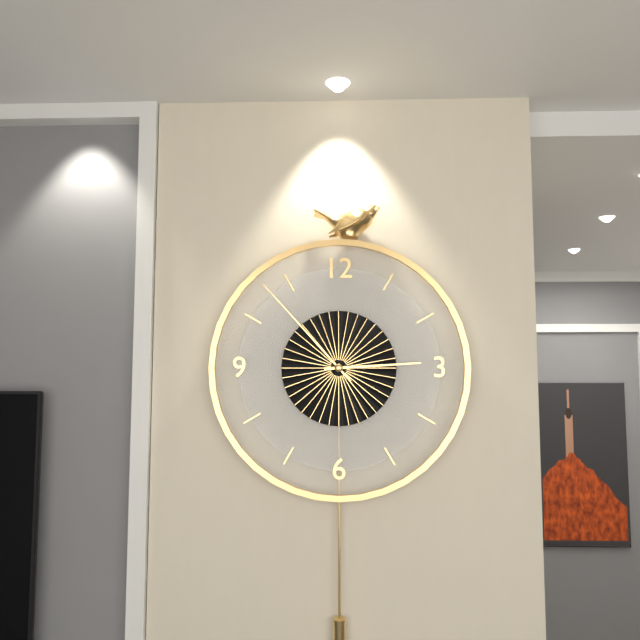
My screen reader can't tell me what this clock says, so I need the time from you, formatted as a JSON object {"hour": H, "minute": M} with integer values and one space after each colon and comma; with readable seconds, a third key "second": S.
{"hour": 2, "minute": 53}
